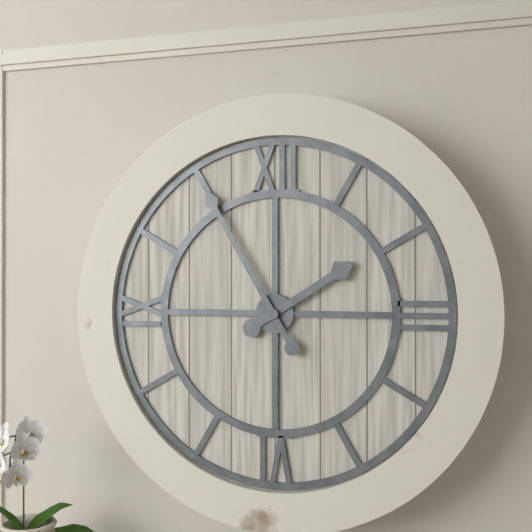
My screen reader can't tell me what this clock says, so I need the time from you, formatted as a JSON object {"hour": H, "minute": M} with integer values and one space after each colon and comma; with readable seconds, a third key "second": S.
{"hour": 1, "minute": 55}
